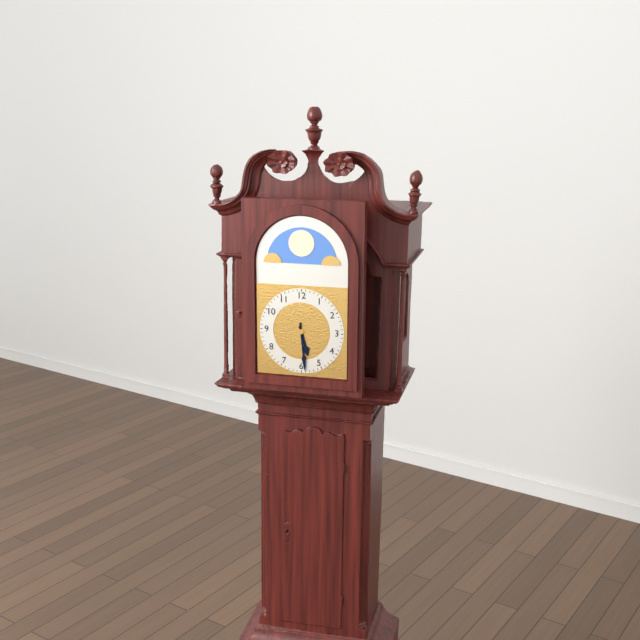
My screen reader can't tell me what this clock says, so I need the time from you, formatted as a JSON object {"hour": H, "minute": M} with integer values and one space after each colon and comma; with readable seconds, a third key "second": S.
{"hour": 5, "minute": 29}
